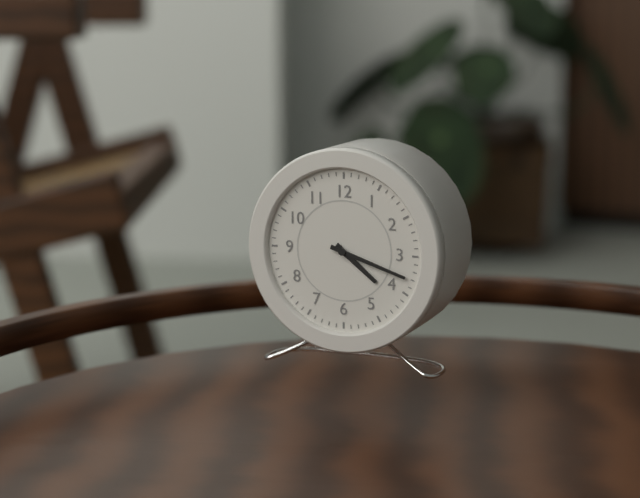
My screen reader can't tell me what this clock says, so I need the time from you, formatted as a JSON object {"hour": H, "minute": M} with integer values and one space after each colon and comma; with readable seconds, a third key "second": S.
{"hour": 4, "minute": 18}
